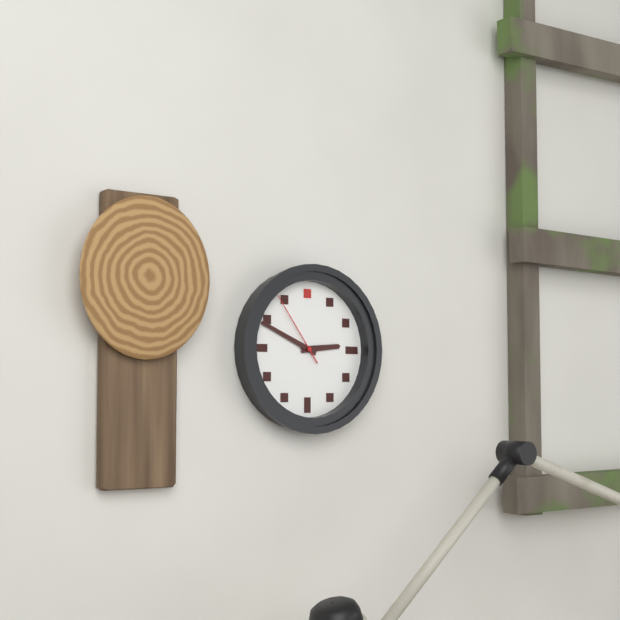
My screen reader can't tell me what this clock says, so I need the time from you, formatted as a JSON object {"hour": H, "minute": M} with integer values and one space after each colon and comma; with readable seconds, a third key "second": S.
{"hour": 2, "minute": 49, "second": 54}
